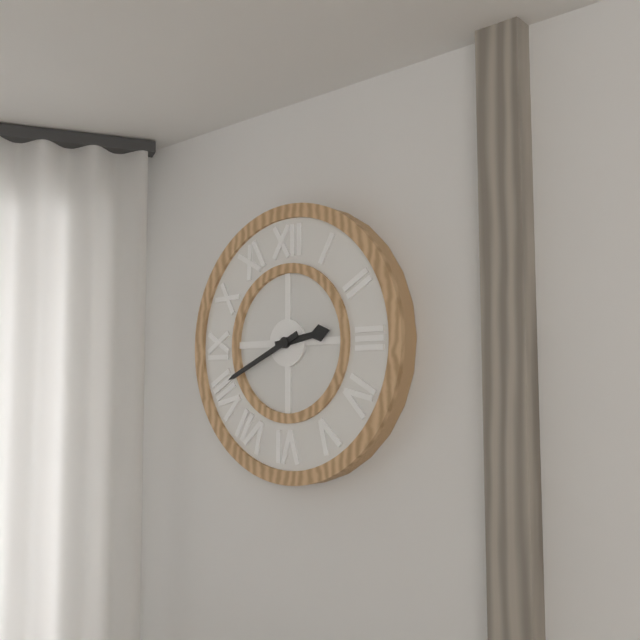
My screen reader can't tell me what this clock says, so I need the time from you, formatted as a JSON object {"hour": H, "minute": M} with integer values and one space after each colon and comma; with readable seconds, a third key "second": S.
{"hour": 2, "minute": 41}
